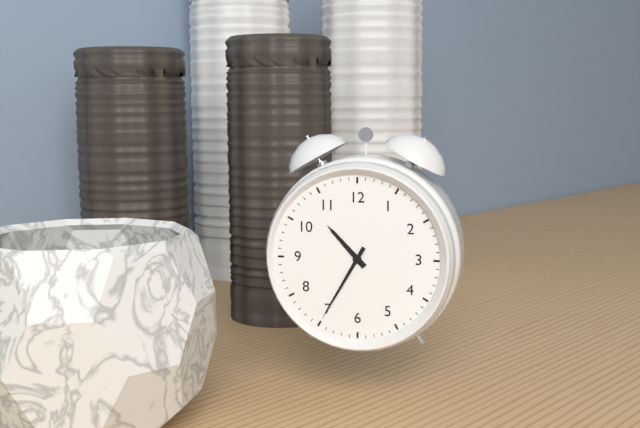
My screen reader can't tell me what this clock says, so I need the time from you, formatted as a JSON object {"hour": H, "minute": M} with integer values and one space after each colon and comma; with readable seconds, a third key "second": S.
{"hour": 10, "minute": 35}
